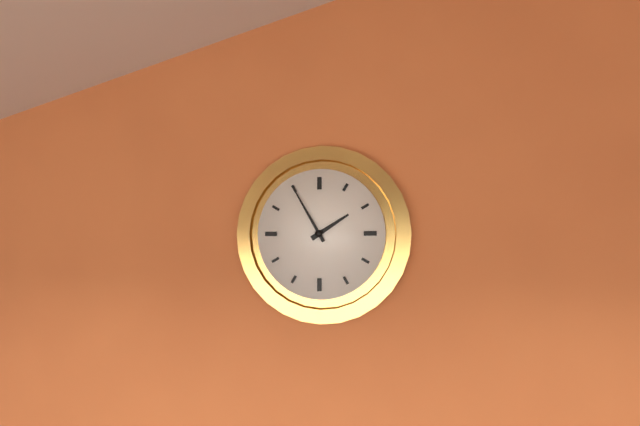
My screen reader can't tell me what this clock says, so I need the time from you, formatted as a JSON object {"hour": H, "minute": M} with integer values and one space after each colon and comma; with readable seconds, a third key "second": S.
{"hour": 1, "minute": 55}
